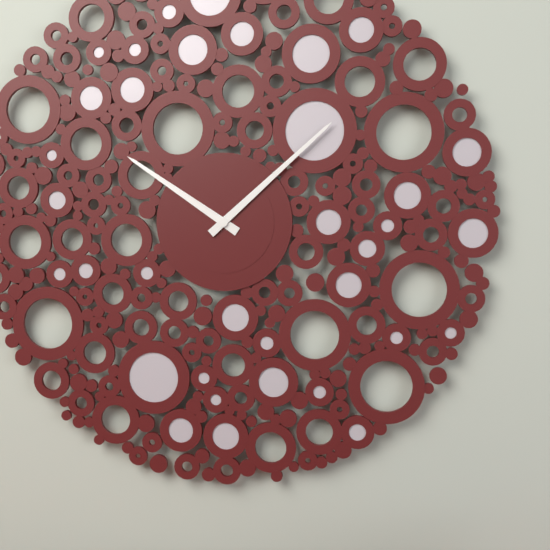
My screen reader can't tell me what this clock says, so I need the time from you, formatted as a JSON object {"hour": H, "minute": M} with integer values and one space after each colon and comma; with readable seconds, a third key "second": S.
{"hour": 10, "minute": 8}
